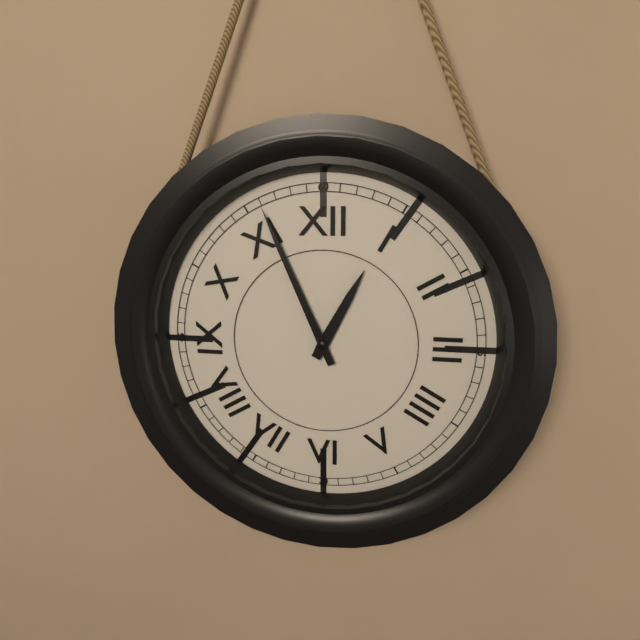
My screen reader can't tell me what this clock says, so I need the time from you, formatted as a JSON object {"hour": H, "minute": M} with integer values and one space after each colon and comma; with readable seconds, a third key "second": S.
{"hour": 12, "minute": 56}
